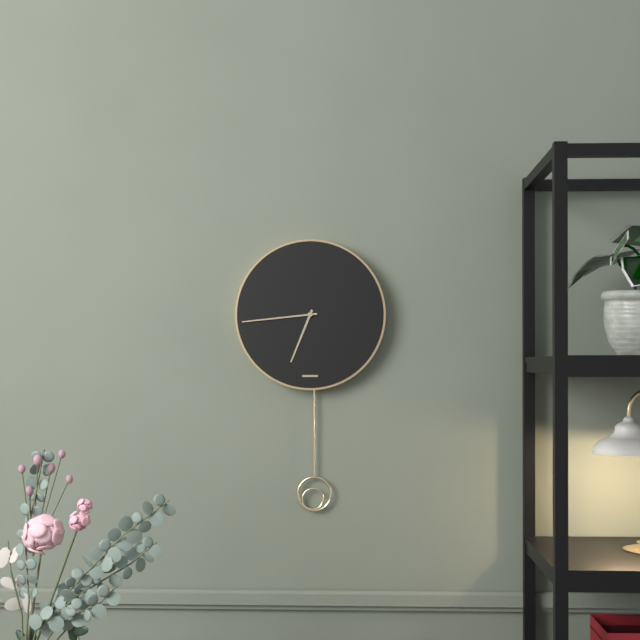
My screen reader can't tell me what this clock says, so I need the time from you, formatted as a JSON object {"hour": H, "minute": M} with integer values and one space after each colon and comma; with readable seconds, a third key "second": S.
{"hour": 6, "minute": 44}
